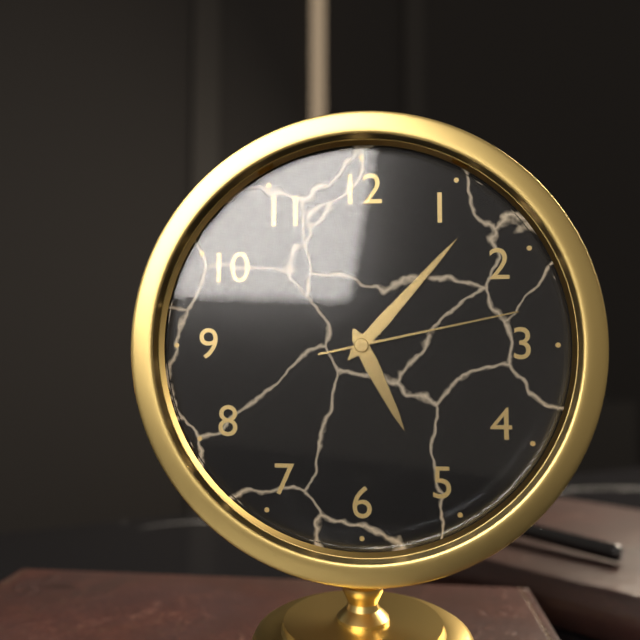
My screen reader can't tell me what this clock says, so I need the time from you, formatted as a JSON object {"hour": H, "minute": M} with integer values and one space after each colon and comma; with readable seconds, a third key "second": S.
{"hour": 5, "minute": 7, "second": 13}
